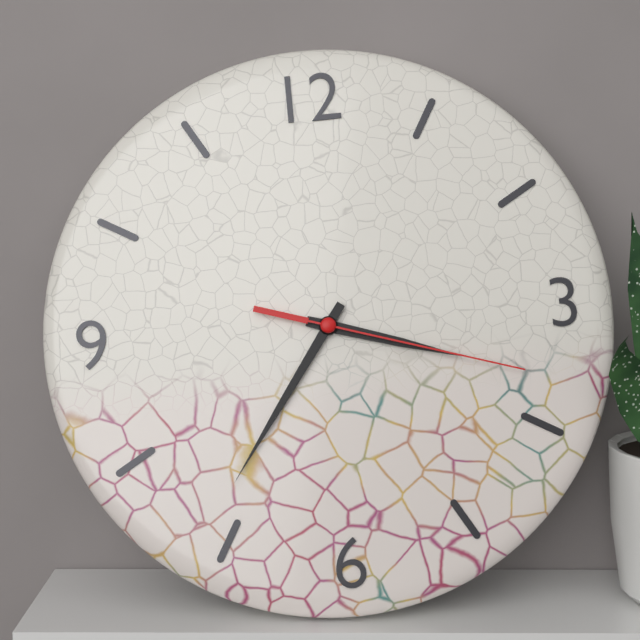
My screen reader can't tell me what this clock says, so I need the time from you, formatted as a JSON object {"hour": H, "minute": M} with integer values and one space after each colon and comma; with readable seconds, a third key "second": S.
{"hour": 3, "minute": 36, "second": 18}
